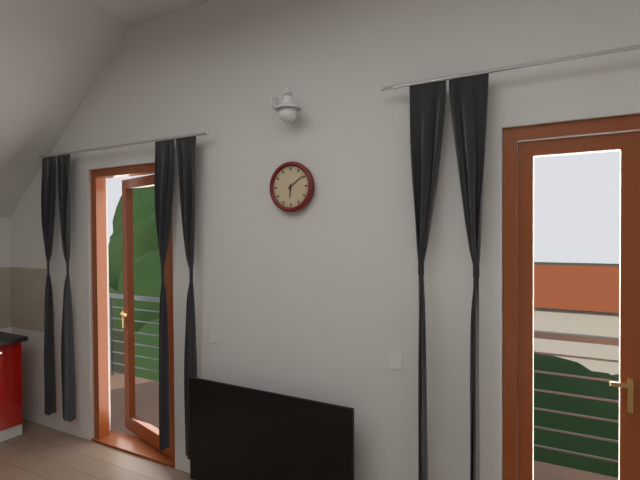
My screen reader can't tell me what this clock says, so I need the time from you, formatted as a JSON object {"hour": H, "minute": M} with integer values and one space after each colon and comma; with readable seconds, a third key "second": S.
{"hour": 6, "minute": 9}
